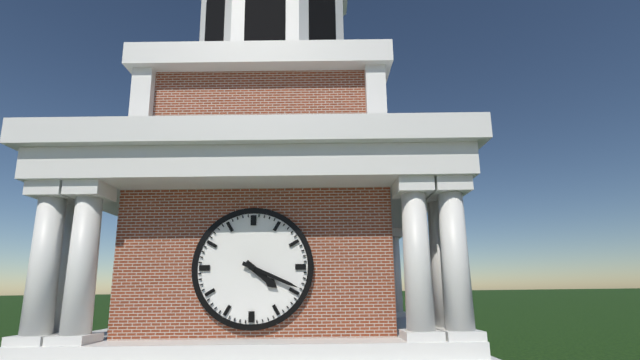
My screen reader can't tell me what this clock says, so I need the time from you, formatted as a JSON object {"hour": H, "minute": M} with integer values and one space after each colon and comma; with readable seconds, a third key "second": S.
{"hour": 4, "minute": 19}
